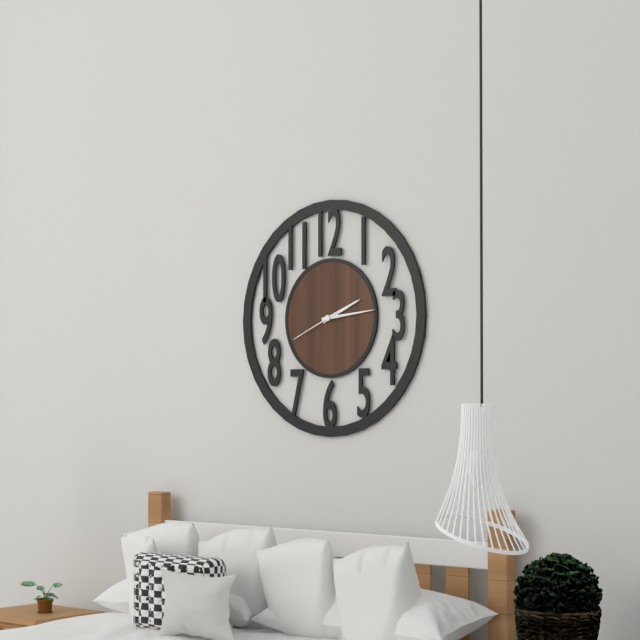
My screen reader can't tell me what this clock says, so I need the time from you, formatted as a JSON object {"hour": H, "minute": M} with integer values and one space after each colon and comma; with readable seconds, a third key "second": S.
{"hour": 2, "minute": 14, "second": 41}
